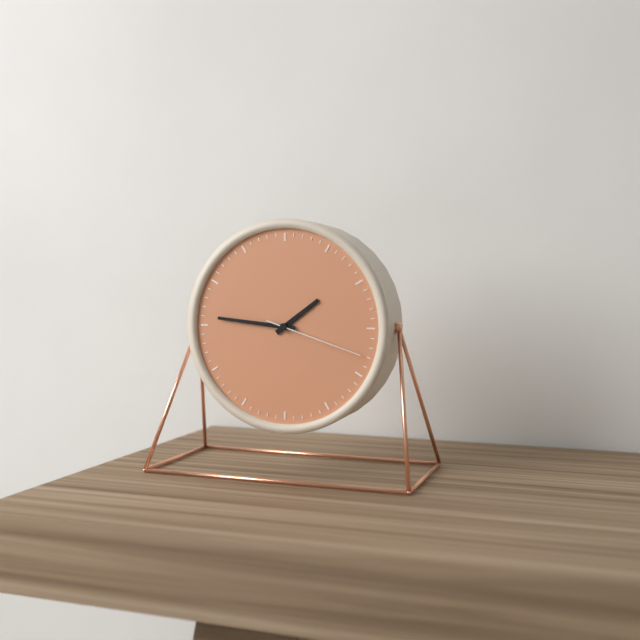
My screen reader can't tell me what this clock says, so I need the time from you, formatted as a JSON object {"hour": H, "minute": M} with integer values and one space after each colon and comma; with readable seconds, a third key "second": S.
{"hour": 1, "minute": 46, "second": 18}
